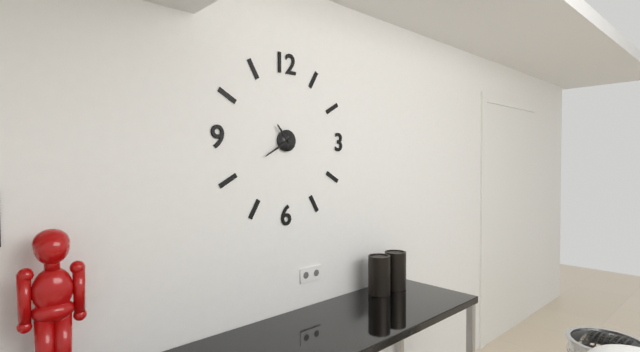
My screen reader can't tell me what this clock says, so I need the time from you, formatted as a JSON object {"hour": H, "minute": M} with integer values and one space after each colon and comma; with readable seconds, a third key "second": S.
{"hour": 10, "minute": 40}
